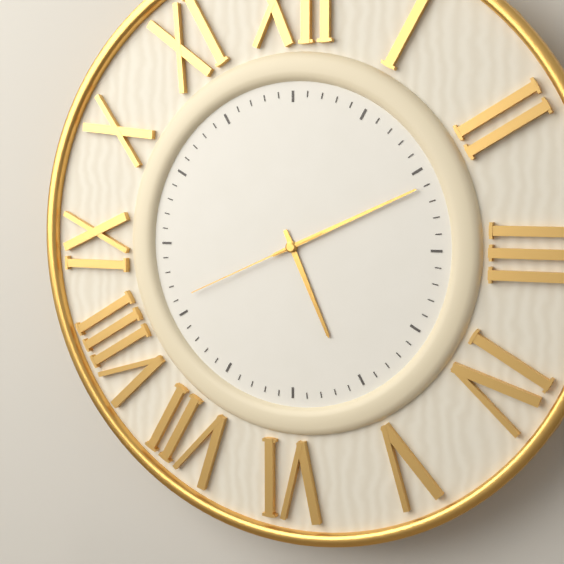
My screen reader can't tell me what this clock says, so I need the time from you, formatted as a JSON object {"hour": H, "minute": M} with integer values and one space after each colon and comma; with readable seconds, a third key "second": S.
{"hour": 5, "minute": 11, "second": 41}
